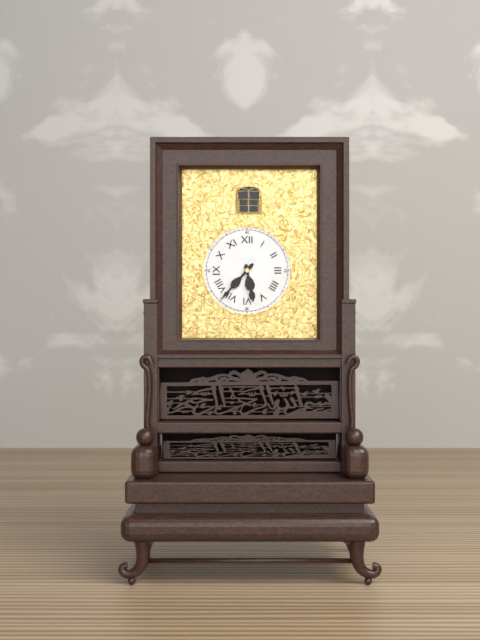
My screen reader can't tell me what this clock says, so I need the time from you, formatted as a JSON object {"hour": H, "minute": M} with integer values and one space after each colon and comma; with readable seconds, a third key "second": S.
{"hour": 5, "minute": 37}
